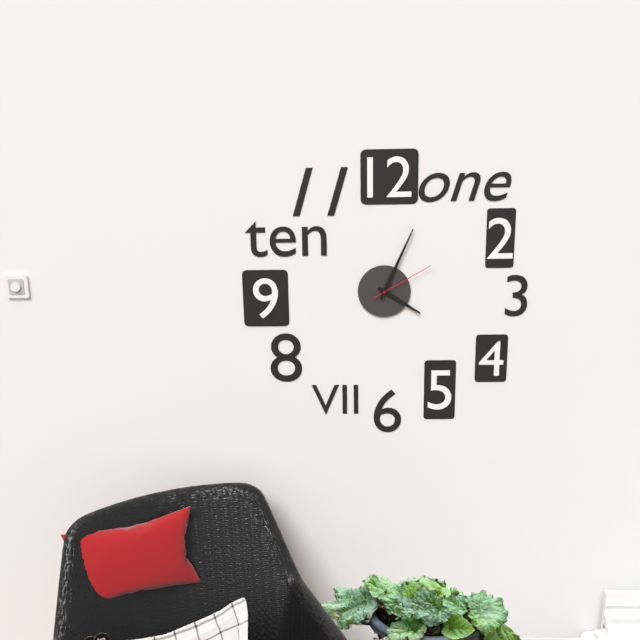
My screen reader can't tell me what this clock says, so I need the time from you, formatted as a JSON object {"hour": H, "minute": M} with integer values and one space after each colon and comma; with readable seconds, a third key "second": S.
{"hour": 4, "minute": 4, "second": 10}
